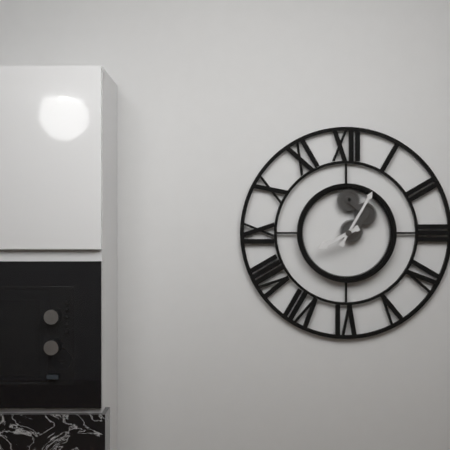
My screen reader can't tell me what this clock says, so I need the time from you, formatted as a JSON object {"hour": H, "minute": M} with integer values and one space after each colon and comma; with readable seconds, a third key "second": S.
{"hour": 8, "minute": 5}
